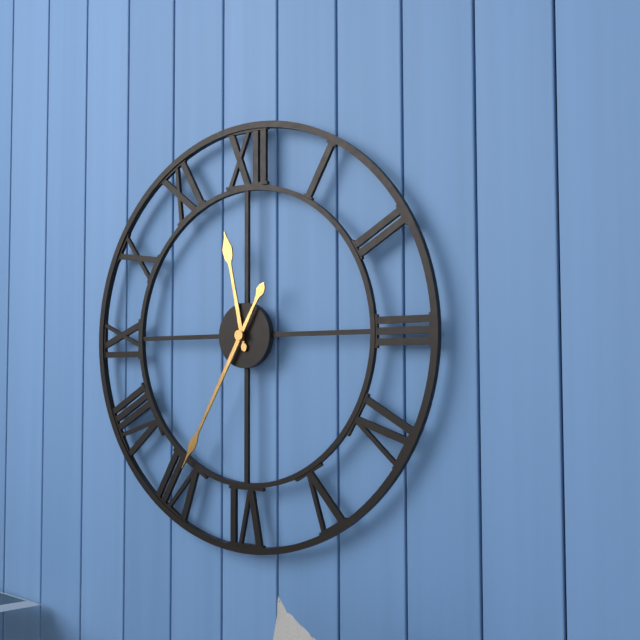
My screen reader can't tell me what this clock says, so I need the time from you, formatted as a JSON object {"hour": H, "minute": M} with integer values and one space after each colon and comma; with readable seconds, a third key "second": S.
{"hour": 11, "minute": 35}
